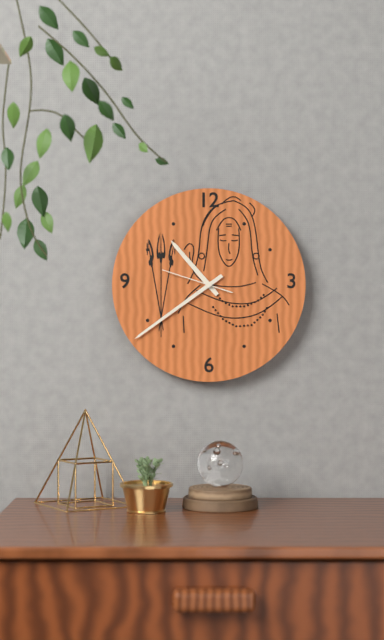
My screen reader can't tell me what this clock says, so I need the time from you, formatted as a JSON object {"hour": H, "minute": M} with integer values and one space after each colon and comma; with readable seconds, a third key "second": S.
{"hour": 10, "minute": 39, "second": 48}
